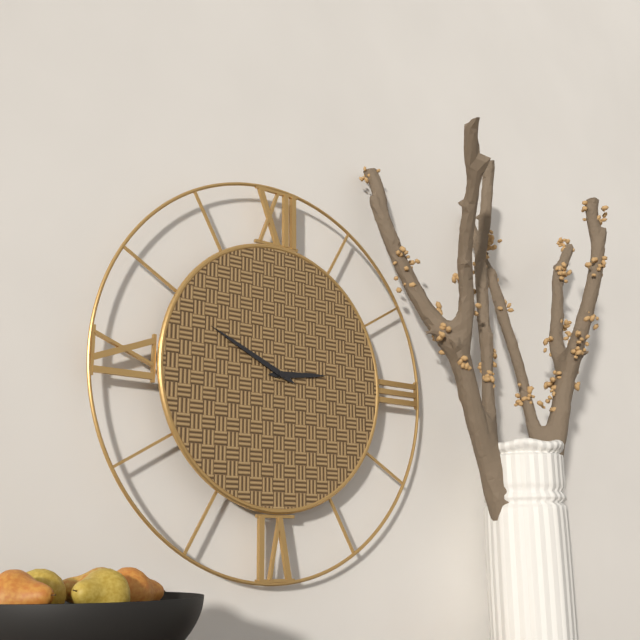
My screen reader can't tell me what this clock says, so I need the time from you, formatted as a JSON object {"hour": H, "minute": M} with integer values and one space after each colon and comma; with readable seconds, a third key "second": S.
{"hour": 2, "minute": 49}
